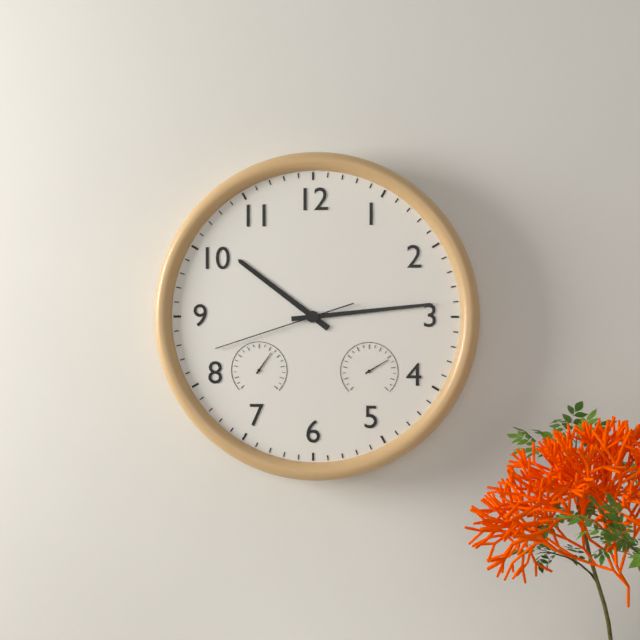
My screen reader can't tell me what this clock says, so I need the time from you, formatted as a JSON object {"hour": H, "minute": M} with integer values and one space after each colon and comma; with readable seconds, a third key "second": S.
{"hour": 10, "minute": 14, "second": 42}
